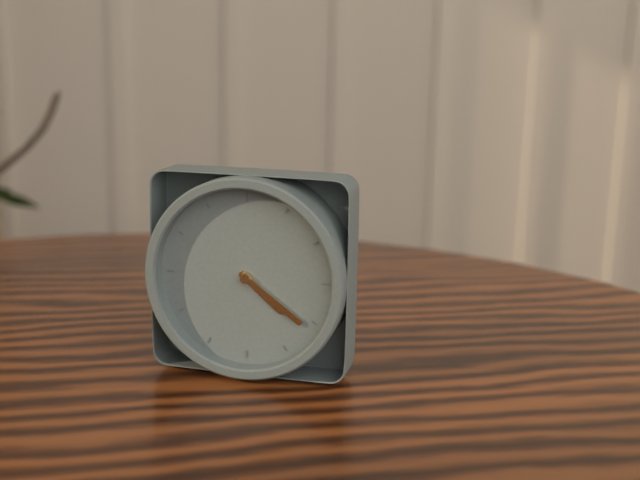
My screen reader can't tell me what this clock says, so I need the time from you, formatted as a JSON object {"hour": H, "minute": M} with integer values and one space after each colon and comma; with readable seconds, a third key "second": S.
{"hour": 4, "minute": 21}
